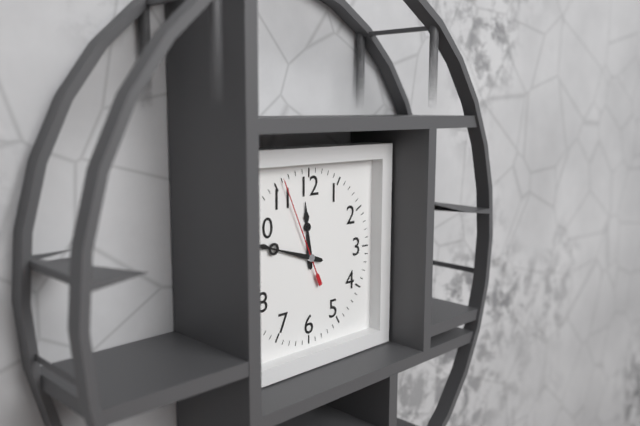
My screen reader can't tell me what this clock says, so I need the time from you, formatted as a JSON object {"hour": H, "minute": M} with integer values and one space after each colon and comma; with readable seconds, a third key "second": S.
{"hour": 11, "minute": 48, "second": 56}
